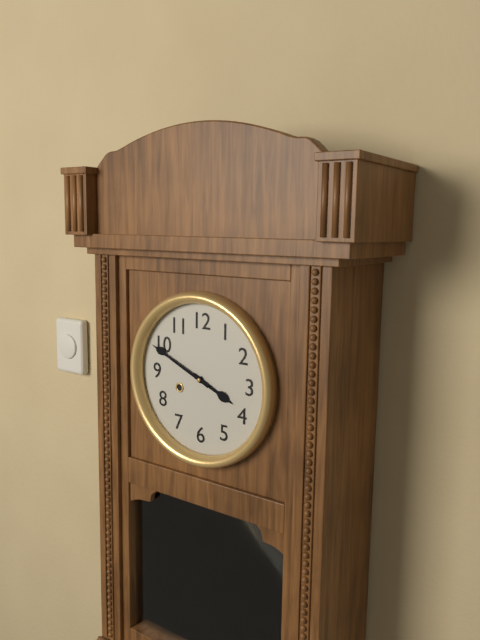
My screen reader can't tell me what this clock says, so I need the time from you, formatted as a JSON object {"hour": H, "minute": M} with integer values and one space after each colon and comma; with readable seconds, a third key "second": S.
{"hour": 3, "minute": 49}
